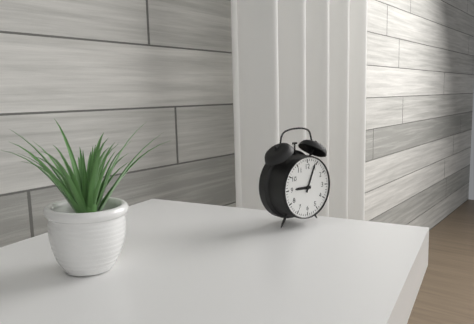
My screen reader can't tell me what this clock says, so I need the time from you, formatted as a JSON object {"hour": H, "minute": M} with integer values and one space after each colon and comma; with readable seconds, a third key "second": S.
{"hour": 9, "minute": 4}
